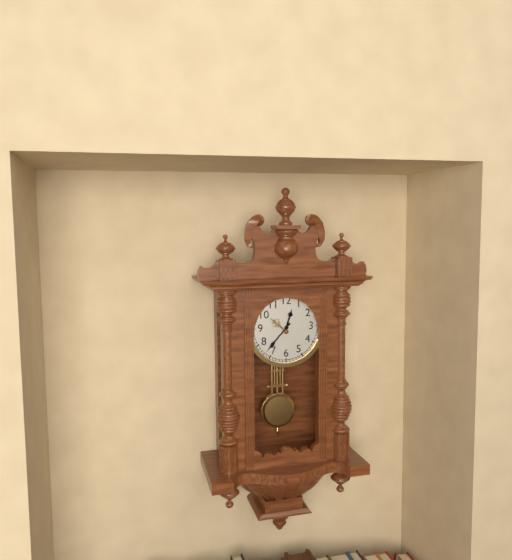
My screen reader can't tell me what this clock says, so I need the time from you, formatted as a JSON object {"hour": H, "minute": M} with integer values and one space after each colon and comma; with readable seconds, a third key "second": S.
{"hour": 12, "minute": 37}
